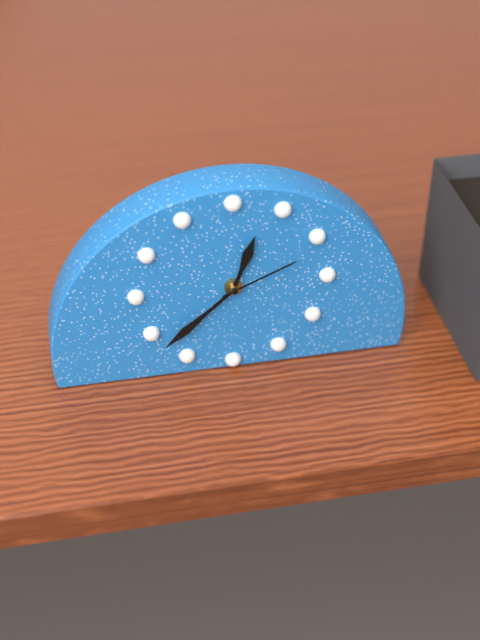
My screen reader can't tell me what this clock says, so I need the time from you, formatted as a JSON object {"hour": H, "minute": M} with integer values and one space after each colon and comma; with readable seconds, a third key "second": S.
{"hour": 12, "minute": 38, "second": 11}
